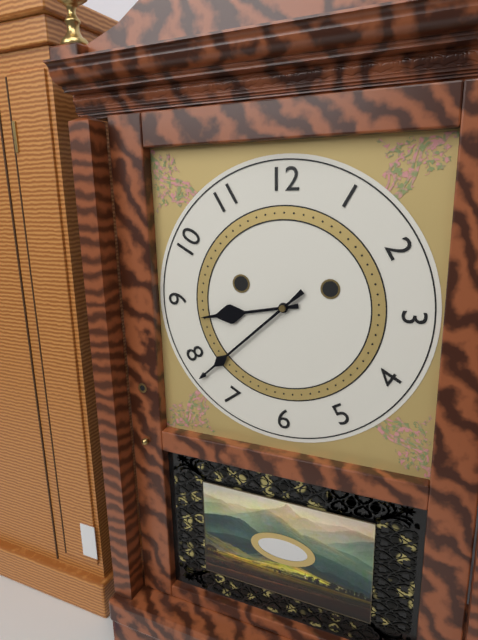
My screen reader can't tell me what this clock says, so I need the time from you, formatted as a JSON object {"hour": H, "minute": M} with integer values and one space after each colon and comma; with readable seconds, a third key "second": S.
{"hour": 8, "minute": 38}
